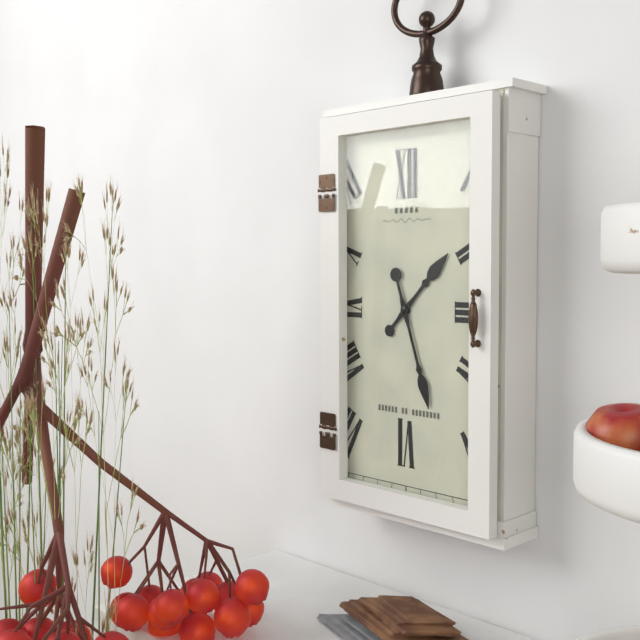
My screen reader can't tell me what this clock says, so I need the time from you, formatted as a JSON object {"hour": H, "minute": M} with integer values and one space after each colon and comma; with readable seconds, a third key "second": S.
{"hour": 1, "minute": 27}
